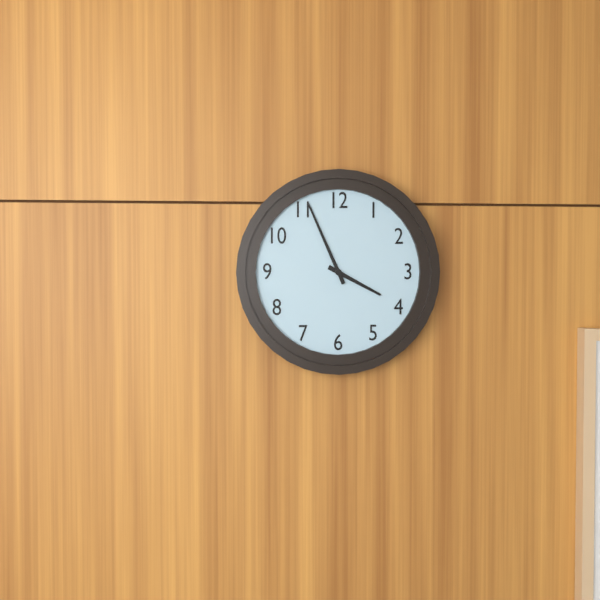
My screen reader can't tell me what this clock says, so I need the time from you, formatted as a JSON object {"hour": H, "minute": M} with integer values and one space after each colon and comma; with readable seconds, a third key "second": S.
{"hour": 3, "minute": 56}
